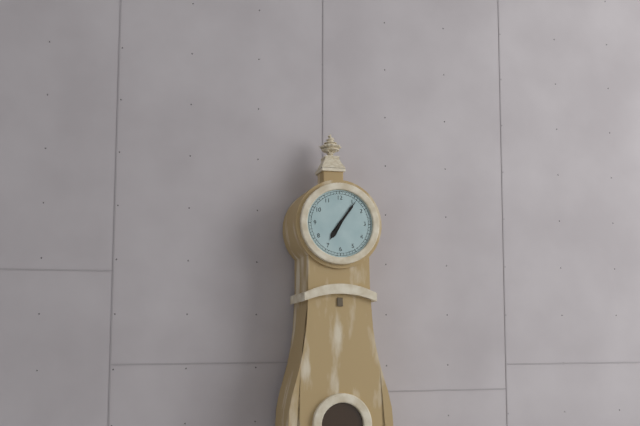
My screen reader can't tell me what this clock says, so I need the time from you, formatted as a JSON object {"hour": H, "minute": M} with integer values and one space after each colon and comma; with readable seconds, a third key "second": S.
{"hour": 7, "minute": 6}
